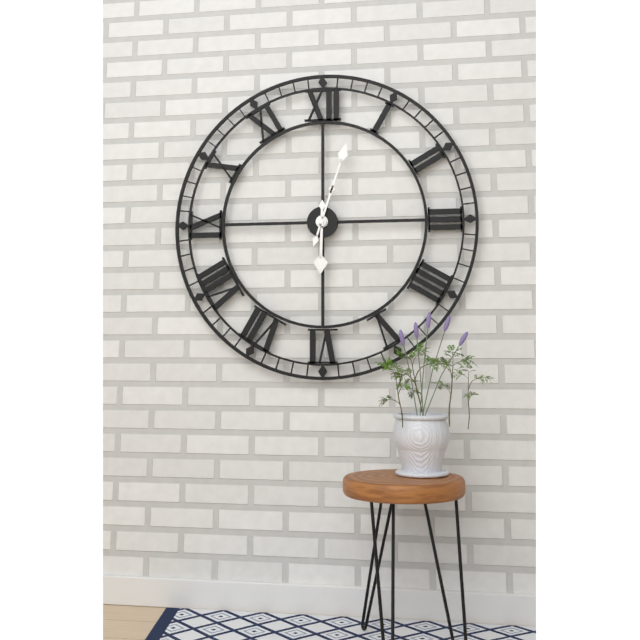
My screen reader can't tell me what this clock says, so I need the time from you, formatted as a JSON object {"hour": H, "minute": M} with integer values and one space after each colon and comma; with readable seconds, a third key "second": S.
{"hour": 6, "minute": 3}
